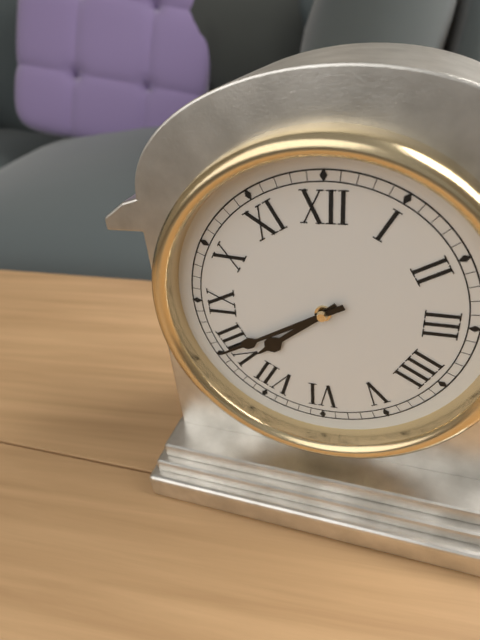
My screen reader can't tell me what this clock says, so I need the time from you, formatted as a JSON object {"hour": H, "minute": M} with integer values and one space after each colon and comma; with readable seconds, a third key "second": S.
{"hour": 7, "minute": 40}
